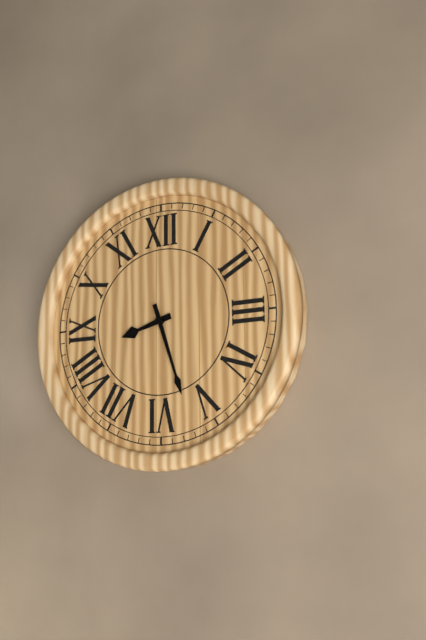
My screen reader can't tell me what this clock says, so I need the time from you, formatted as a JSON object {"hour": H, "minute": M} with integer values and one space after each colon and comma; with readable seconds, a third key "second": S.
{"hour": 8, "minute": 27}
